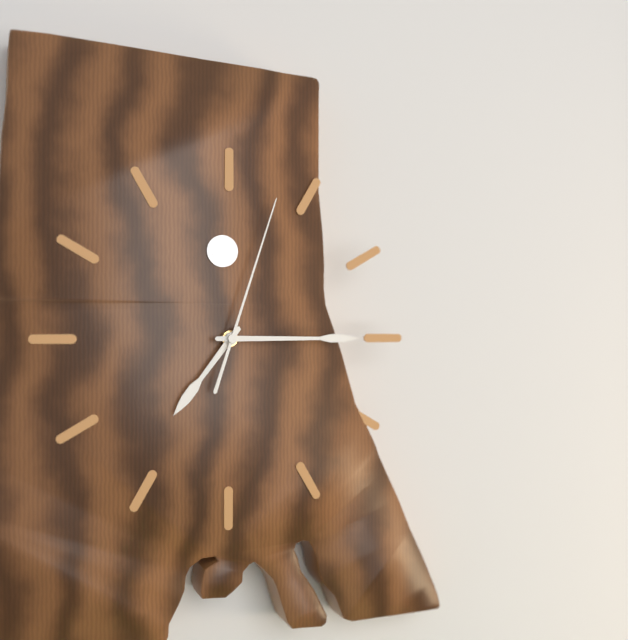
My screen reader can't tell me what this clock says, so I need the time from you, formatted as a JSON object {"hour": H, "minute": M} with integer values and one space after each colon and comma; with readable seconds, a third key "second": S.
{"hour": 7, "minute": 15, "second": 3}
